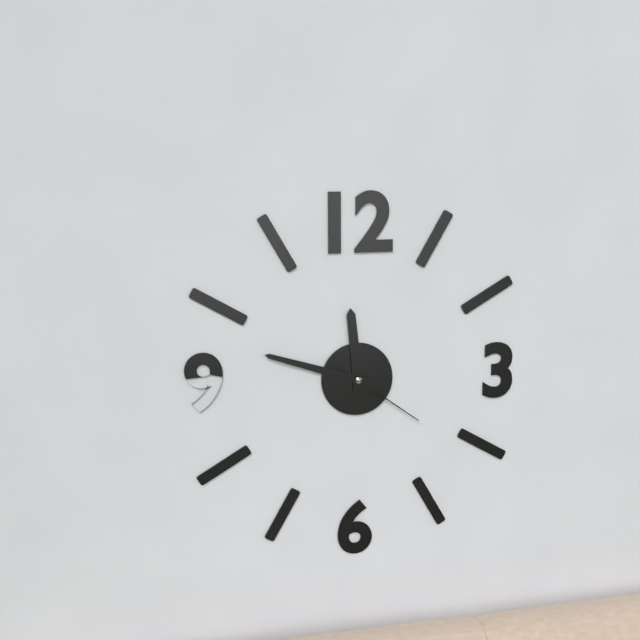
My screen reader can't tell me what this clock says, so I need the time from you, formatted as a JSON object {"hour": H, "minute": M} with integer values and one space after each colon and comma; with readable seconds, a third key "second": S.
{"hour": 11, "minute": 48, "second": 21}
